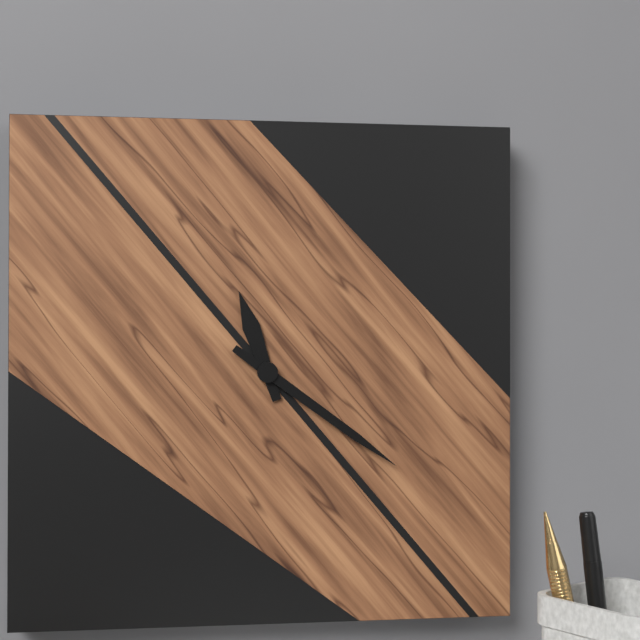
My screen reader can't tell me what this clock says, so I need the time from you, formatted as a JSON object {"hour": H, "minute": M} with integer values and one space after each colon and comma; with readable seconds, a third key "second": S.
{"hour": 11, "minute": 21}
